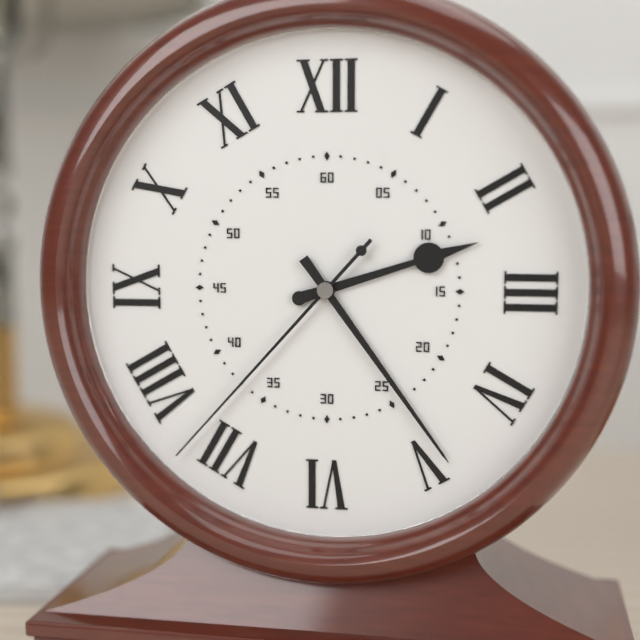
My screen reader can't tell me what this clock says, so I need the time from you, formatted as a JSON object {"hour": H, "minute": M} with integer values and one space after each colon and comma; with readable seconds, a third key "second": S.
{"hour": 2, "minute": 24, "second": 37}
